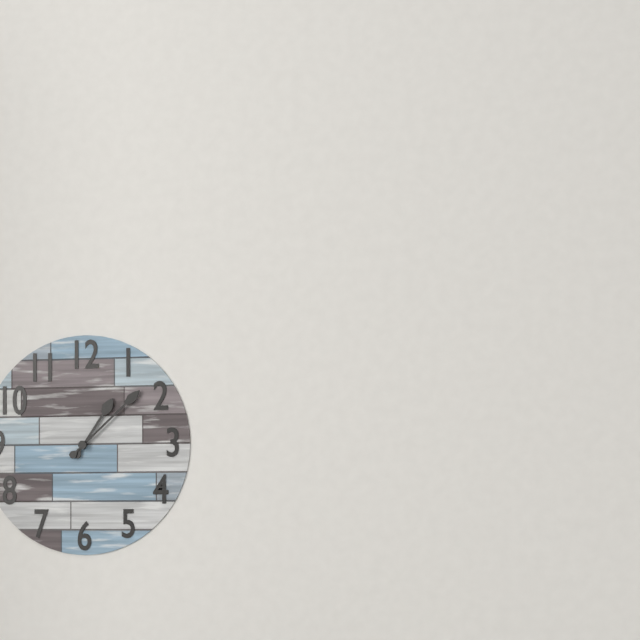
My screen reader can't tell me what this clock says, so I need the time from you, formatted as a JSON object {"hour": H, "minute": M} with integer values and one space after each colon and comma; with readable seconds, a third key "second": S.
{"hour": 1, "minute": 8}
